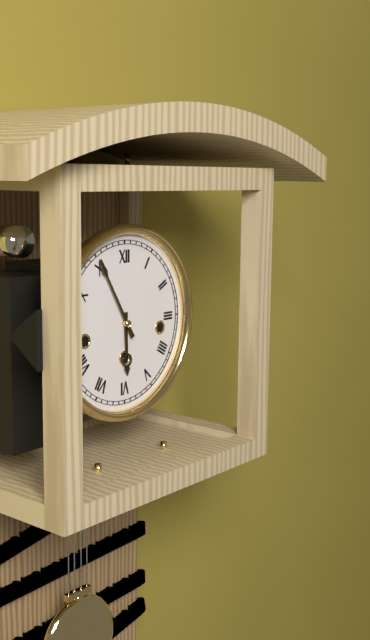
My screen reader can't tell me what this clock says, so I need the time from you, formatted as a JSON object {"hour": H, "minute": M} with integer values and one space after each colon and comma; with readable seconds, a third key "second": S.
{"hour": 5, "minute": 55}
